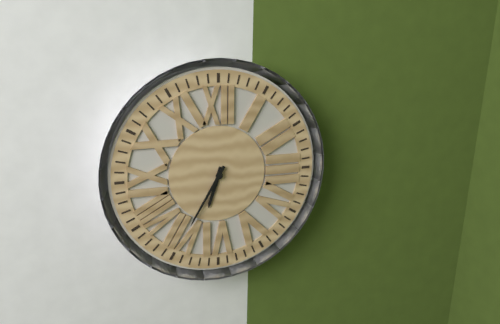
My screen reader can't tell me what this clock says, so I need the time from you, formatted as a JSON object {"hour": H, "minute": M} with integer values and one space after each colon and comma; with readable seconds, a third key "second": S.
{"hour": 6, "minute": 35}
